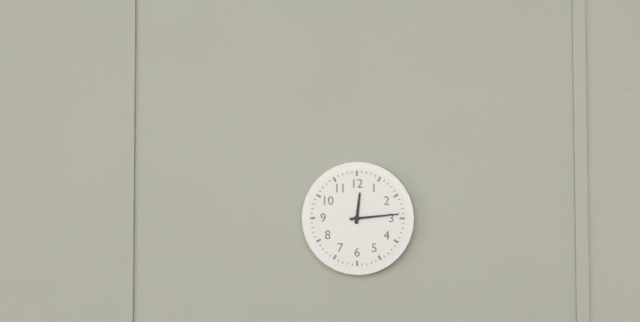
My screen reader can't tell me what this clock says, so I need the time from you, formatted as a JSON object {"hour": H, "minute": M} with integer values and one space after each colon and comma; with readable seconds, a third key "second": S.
{"hour": 12, "minute": 14}
